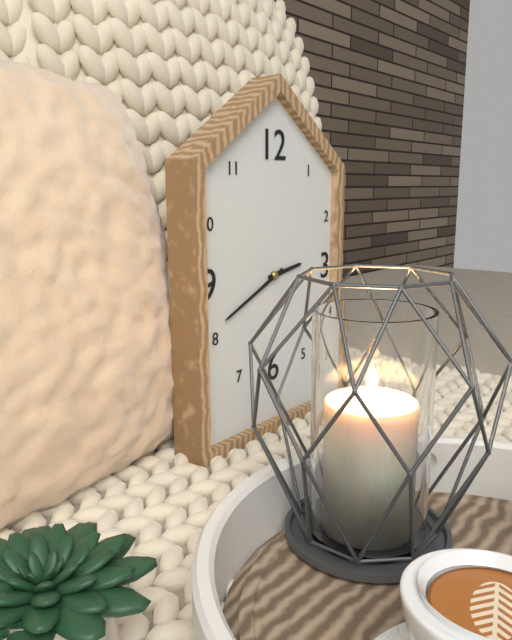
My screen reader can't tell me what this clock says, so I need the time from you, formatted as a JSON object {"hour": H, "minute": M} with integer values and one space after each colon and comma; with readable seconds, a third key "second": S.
{"hour": 2, "minute": 41}
